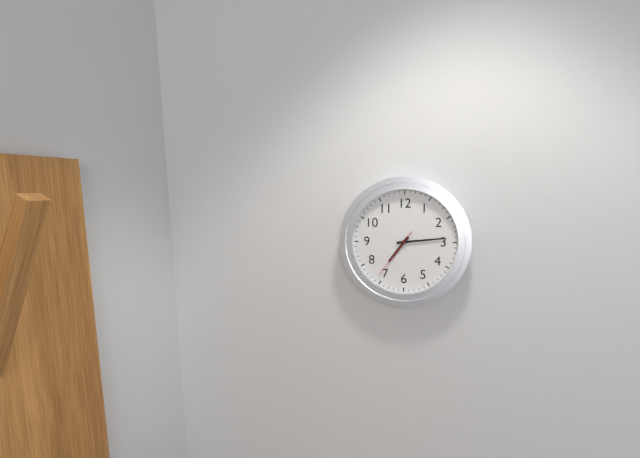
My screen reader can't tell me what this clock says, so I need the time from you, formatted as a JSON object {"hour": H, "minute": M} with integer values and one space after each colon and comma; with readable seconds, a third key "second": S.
{"hour": 7, "minute": 14, "second": 36}
